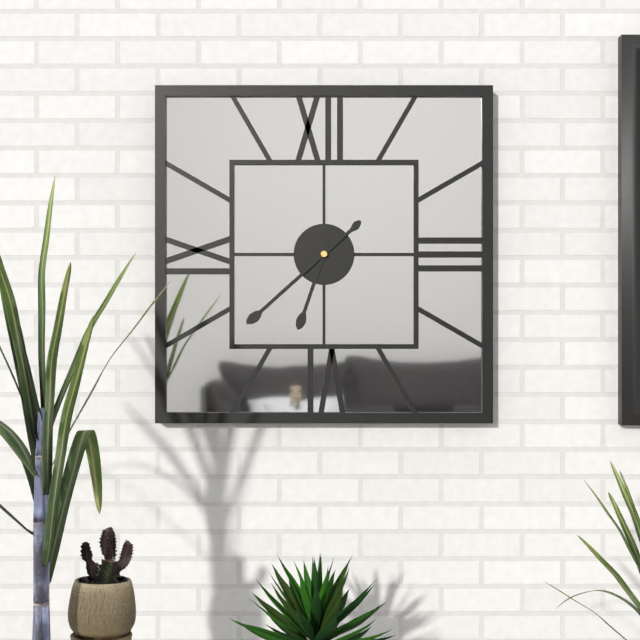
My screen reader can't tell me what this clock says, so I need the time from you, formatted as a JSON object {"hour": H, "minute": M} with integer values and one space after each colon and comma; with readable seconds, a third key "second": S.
{"hour": 6, "minute": 38}
